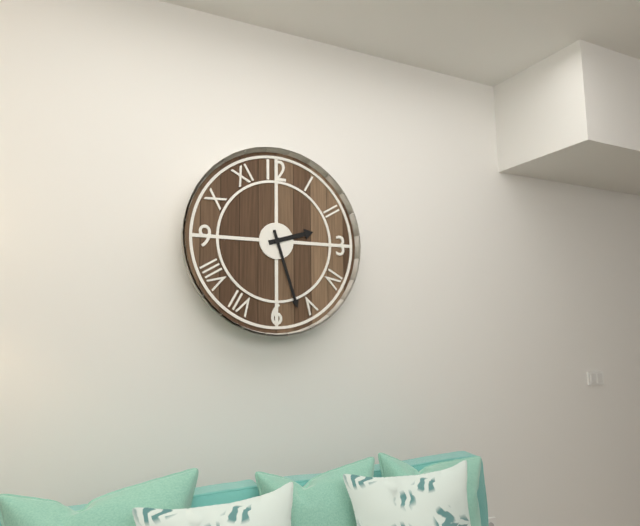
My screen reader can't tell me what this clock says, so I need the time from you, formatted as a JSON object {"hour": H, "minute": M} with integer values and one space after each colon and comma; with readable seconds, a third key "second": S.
{"hour": 2, "minute": 27}
